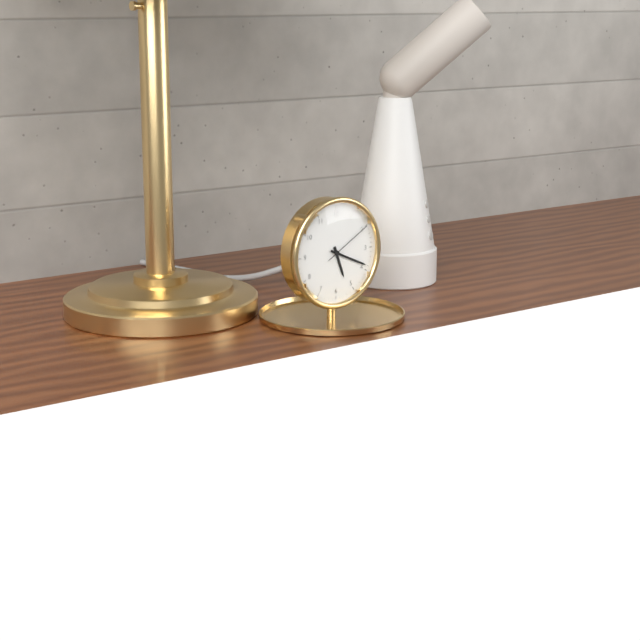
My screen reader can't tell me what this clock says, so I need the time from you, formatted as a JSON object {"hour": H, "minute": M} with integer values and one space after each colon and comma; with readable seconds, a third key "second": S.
{"hour": 5, "minute": 19, "second": 10}
